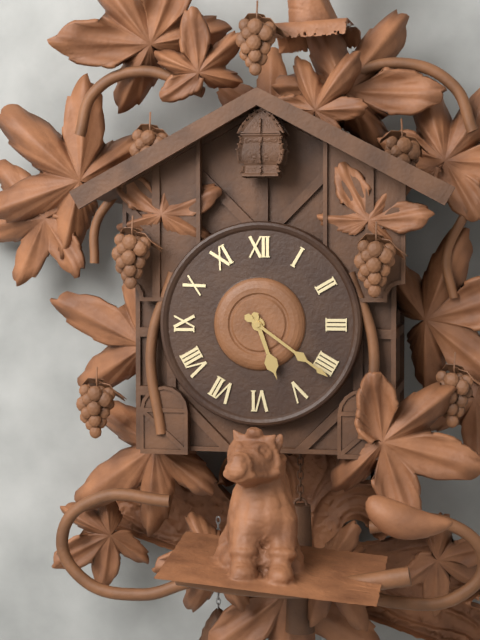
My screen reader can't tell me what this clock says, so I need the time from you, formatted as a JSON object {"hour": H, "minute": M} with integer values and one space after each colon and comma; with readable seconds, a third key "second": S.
{"hour": 5, "minute": 21}
